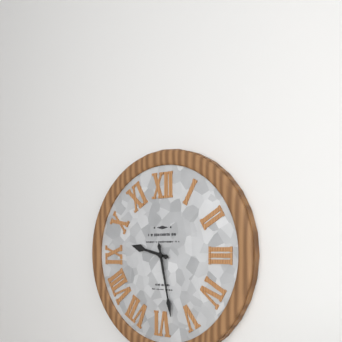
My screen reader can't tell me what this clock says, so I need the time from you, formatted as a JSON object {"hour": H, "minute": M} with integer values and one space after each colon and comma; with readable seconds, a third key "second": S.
{"hour": 9, "minute": 28}
